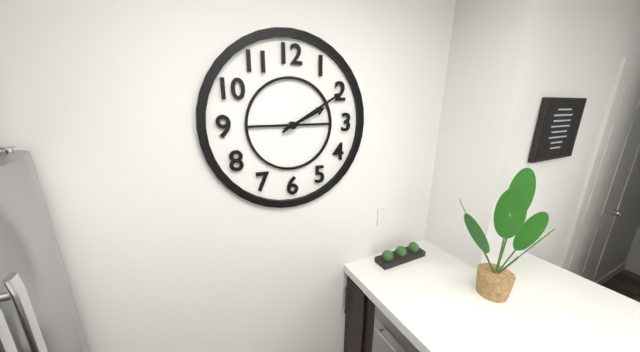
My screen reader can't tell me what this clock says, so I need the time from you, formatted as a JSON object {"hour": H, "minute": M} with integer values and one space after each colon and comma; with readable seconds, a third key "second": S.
{"hour": 2, "minute": 10}
